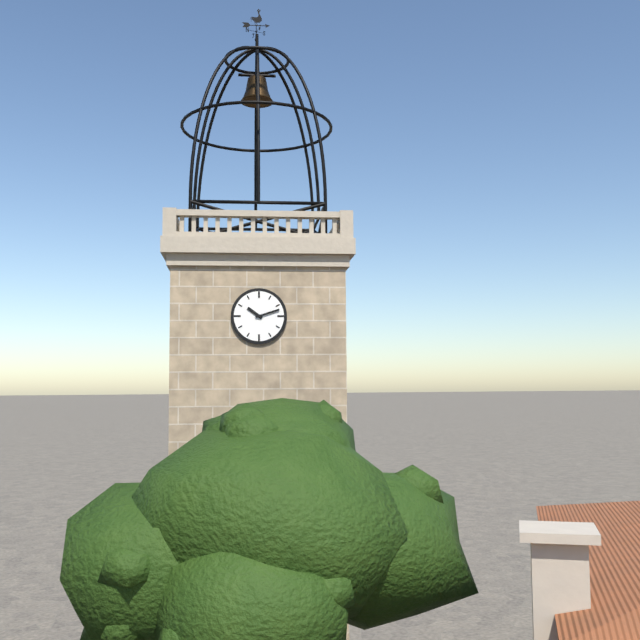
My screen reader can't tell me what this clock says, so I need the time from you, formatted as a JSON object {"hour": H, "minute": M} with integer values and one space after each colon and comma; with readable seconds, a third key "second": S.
{"hour": 10, "minute": 12}
